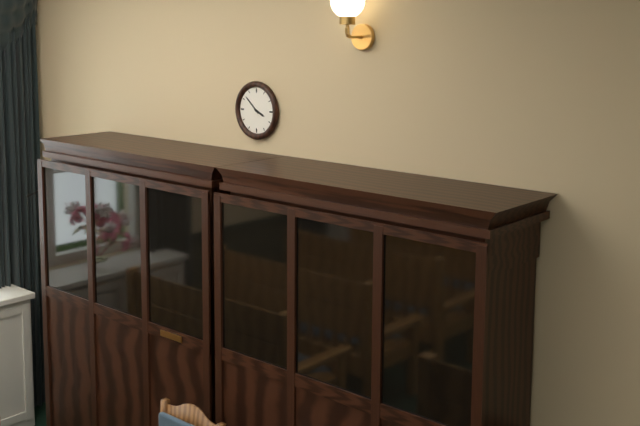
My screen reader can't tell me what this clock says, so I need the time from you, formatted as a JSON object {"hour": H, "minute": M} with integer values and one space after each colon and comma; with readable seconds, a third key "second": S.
{"hour": 3, "minute": 52}
